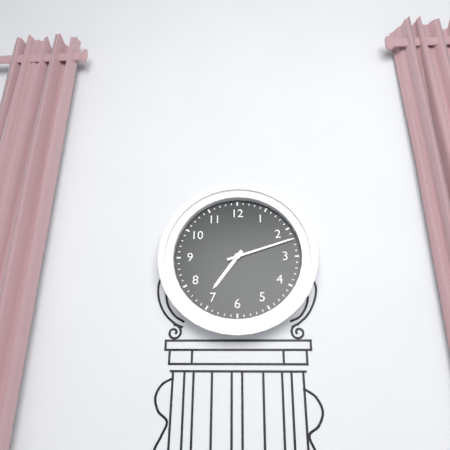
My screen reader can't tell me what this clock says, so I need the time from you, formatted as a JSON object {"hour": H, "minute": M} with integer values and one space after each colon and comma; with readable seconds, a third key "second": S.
{"hour": 7, "minute": 12}
